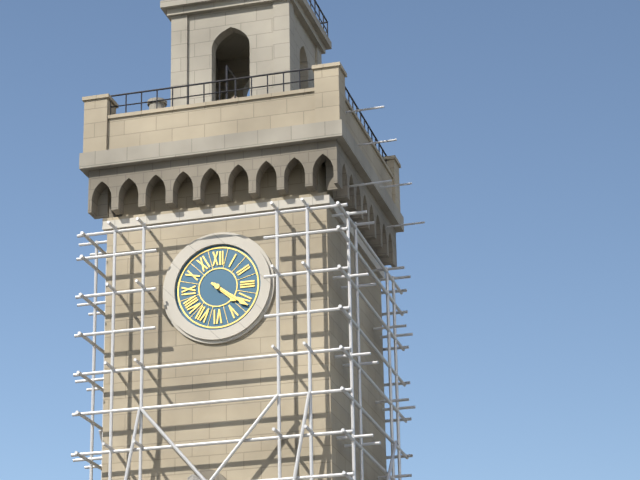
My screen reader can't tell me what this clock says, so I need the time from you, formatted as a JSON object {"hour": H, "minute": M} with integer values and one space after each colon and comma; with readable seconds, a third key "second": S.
{"hour": 4, "minute": 21}
